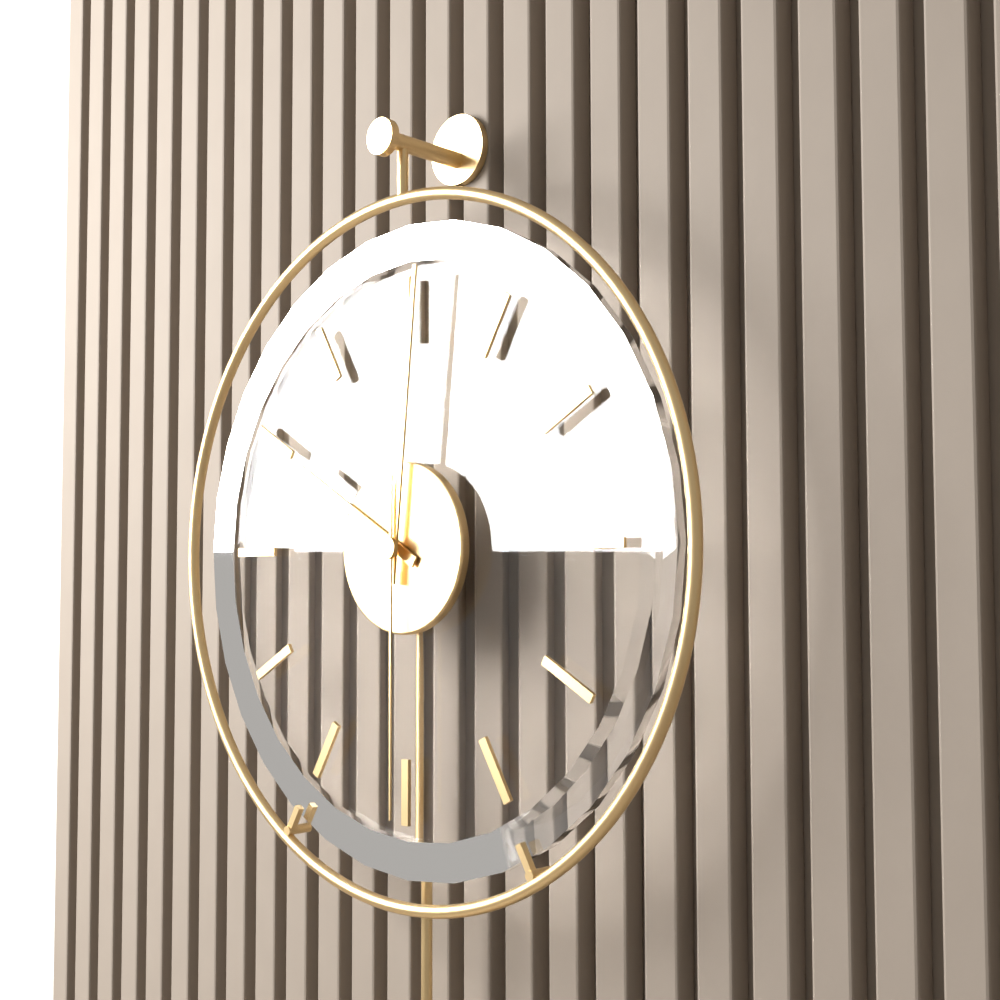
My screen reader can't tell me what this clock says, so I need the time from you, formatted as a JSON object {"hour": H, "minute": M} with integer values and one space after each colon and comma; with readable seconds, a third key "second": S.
{"hour": 10, "minute": 1, "second": 30}
